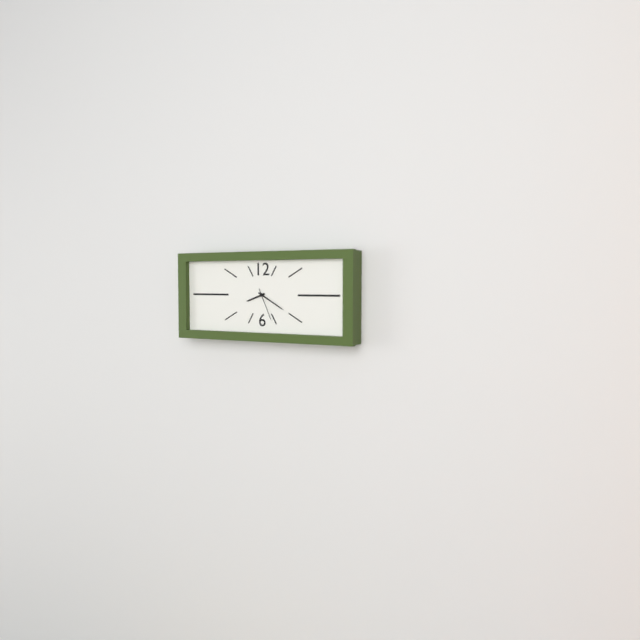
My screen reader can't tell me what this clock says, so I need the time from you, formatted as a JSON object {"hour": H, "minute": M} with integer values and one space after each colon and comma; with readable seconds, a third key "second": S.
{"hour": 8, "minute": 20}
